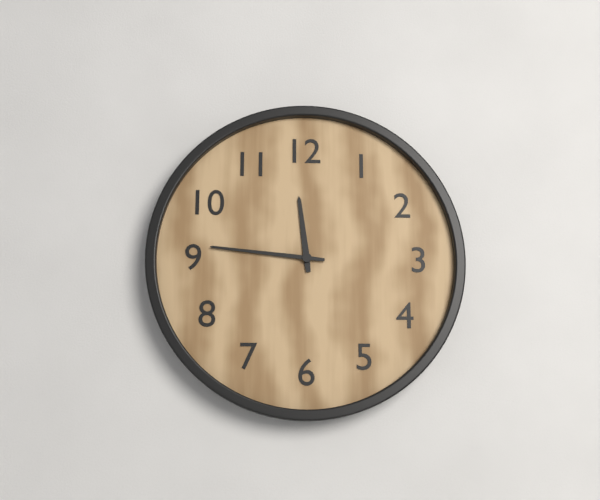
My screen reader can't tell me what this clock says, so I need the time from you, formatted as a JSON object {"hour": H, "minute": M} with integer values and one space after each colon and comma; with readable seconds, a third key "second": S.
{"hour": 11, "minute": 46}
